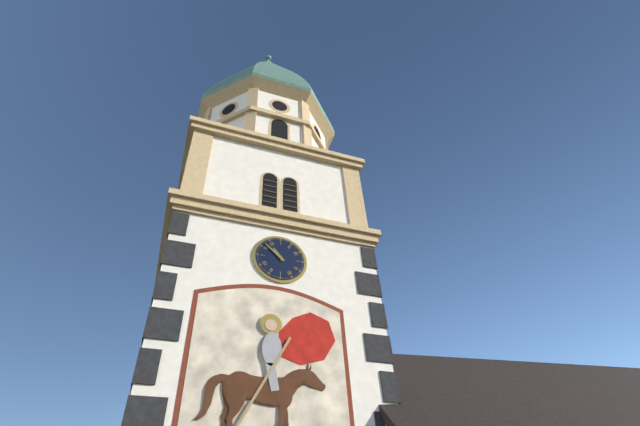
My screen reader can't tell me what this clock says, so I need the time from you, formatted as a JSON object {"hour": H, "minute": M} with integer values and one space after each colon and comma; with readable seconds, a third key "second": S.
{"hour": 10, "minute": 52}
